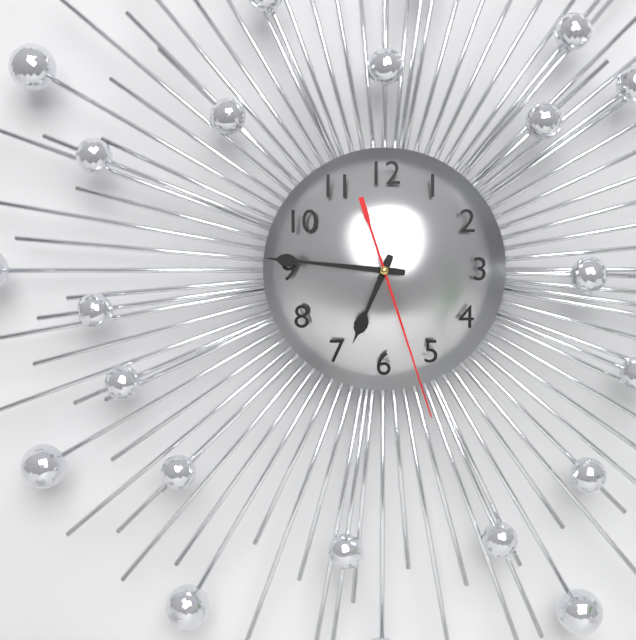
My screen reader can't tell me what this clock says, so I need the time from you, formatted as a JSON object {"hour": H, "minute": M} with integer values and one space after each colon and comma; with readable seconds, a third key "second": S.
{"hour": 6, "minute": 46, "second": 27}
